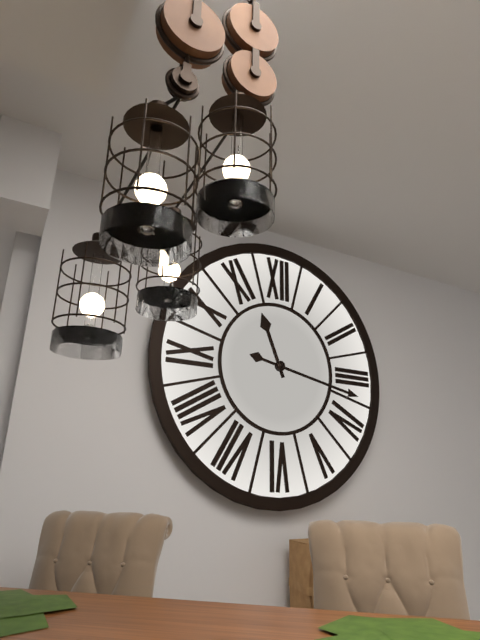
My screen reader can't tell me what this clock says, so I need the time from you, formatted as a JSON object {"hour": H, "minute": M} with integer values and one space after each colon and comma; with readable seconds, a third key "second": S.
{"hour": 11, "minute": 17}
